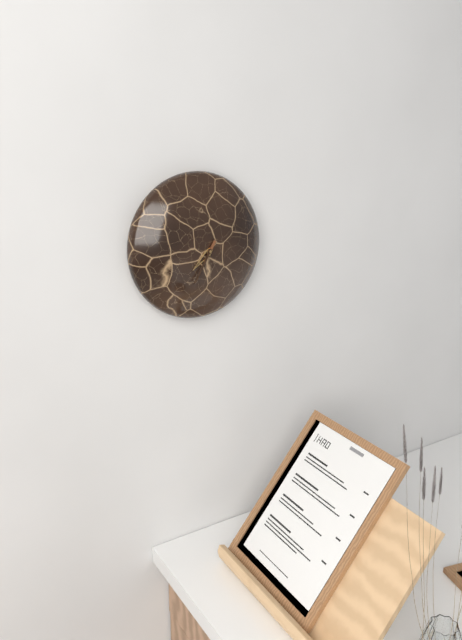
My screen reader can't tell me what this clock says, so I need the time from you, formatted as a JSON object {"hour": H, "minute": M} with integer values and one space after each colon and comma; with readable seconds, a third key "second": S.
{"hour": 7, "minute": 35}
